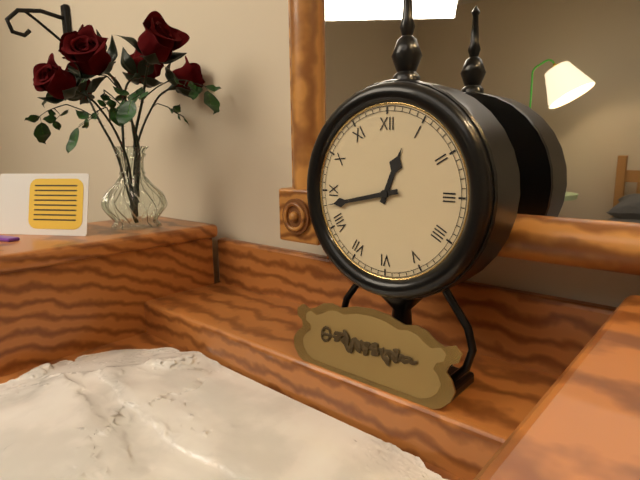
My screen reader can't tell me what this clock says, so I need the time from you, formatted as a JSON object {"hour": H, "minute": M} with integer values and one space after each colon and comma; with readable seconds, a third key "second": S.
{"hour": 12, "minute": 43}
